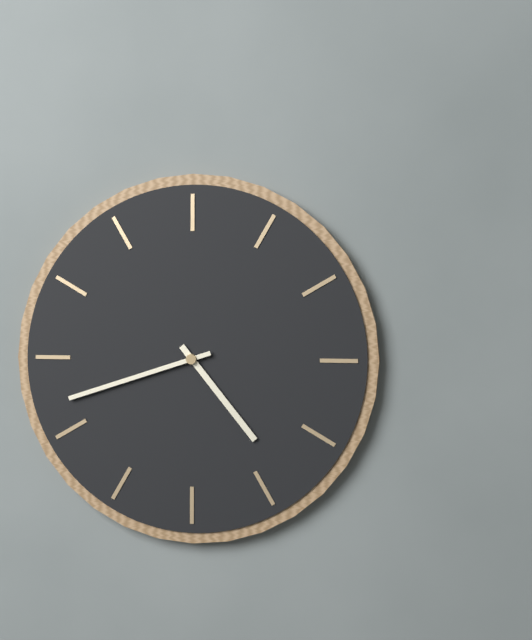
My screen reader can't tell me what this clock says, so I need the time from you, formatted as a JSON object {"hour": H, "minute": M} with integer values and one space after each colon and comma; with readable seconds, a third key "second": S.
{"hour": 4, "minute": 42}
